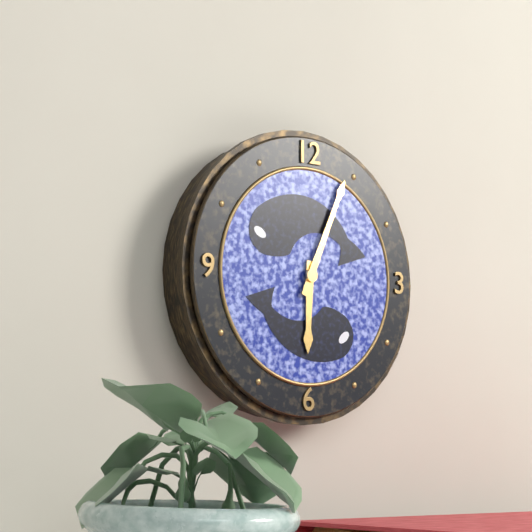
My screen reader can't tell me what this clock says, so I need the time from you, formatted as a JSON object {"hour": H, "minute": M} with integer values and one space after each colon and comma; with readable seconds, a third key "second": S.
{"hour": 6, "minute": 4}
